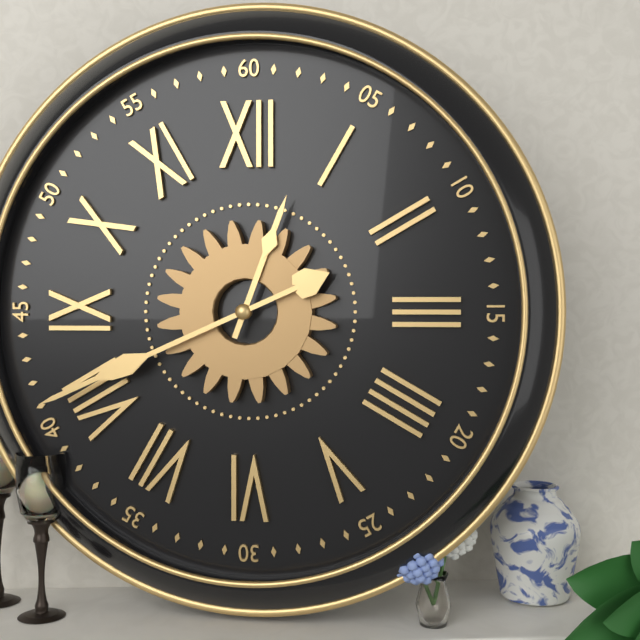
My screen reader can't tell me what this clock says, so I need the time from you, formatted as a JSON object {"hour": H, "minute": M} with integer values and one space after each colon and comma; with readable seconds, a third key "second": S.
{"hour": 12, "minute": 41}
